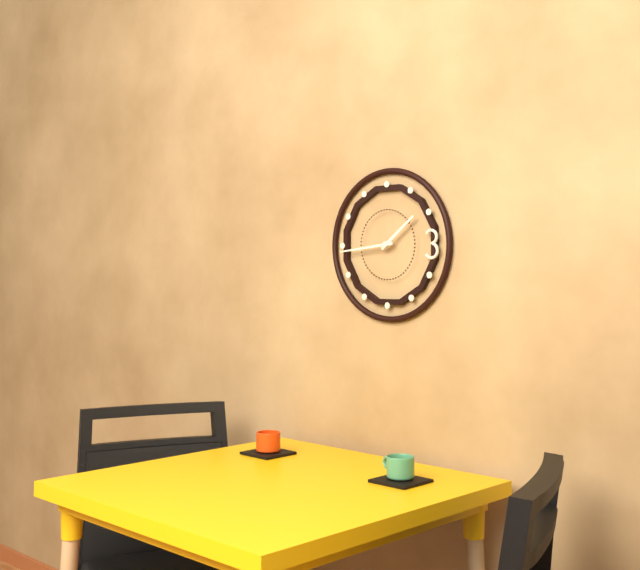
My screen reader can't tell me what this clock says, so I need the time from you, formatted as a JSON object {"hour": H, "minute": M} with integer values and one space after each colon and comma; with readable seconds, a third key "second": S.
{"hour": 1, "minute": 44}
